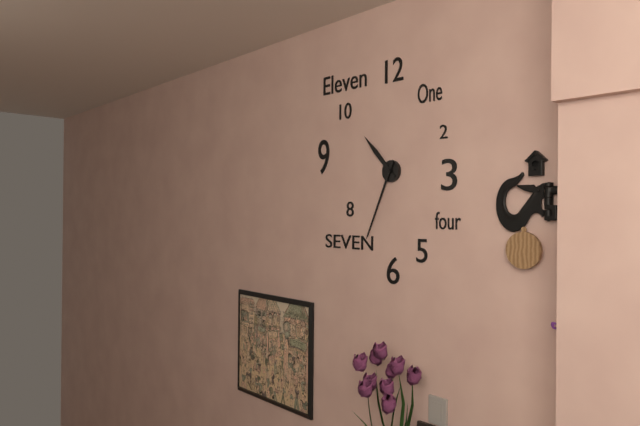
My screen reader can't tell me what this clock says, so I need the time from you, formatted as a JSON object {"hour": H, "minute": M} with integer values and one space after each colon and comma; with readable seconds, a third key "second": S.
{"hour": 10, "minute": 34}
